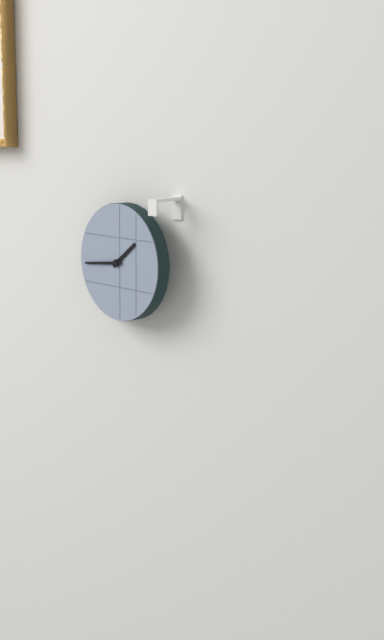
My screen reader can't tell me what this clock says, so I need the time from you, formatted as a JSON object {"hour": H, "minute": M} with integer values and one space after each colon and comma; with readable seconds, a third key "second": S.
{"hour": 1, "minute": 44}
